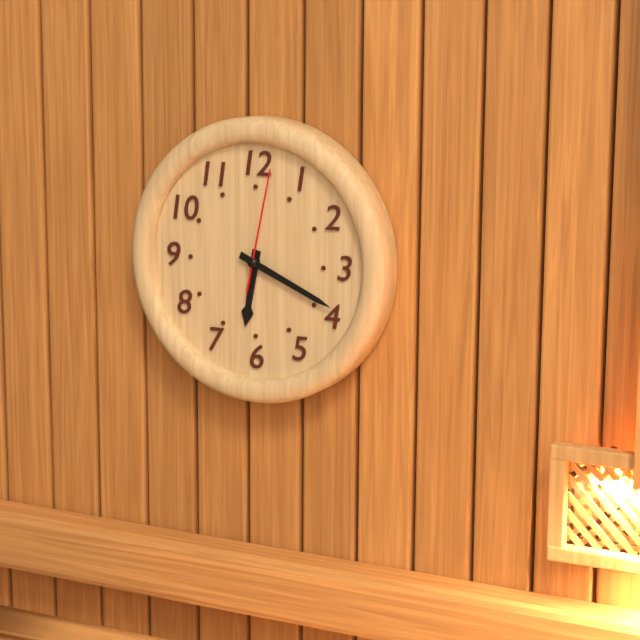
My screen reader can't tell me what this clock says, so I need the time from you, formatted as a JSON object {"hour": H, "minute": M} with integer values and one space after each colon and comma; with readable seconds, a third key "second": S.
{"hour": 6, "minute": 19, "second": 2}
